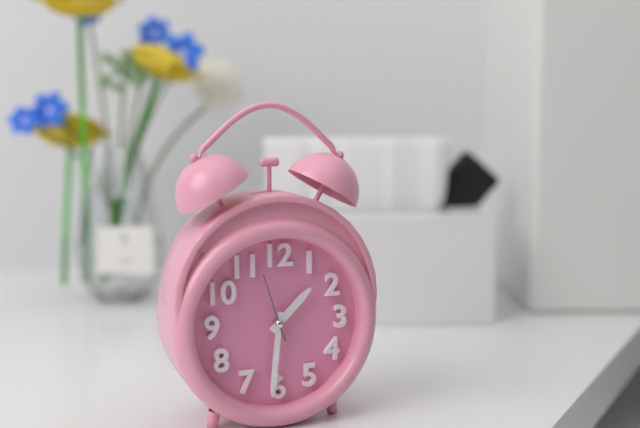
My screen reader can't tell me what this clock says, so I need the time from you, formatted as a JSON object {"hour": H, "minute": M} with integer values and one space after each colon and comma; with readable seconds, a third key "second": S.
{"hour": 1, "minute": 31, "second": 57}
